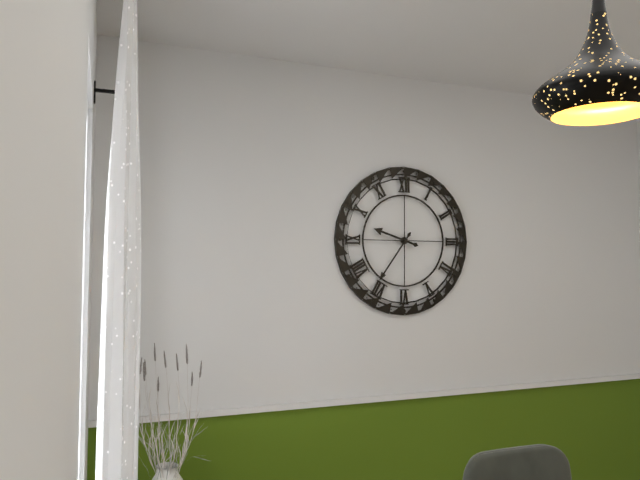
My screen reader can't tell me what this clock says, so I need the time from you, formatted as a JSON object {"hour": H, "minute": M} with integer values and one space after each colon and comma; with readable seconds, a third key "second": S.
{"hour": 9, "minute": 36}
